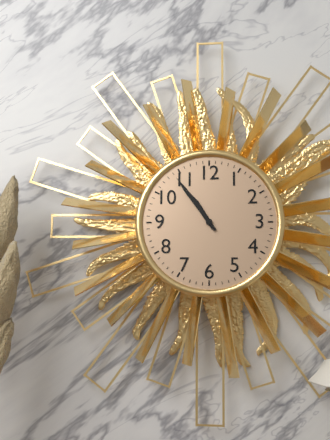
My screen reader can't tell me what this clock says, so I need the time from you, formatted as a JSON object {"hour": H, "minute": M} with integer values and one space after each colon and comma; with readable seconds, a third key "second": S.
{"hour": 10, "minute": 54}
